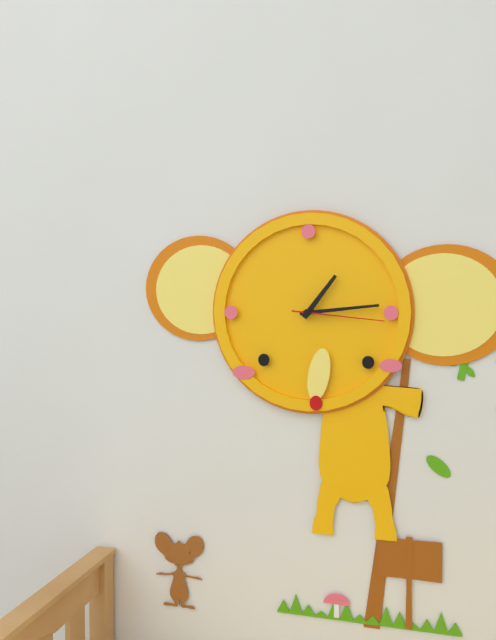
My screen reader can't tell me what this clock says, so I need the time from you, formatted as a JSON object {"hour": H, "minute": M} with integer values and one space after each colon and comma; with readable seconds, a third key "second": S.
{"hour": 1, "minute": 14, "second": 16}
